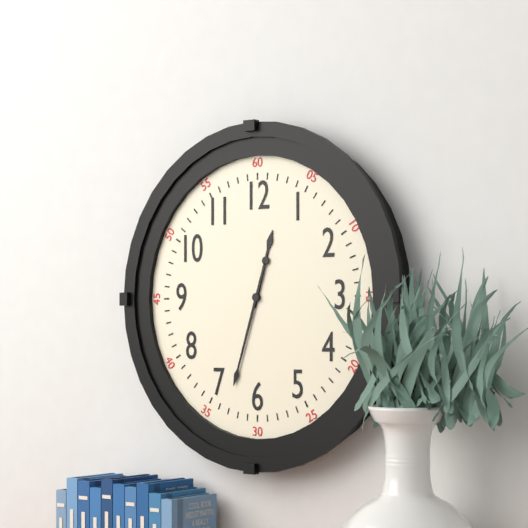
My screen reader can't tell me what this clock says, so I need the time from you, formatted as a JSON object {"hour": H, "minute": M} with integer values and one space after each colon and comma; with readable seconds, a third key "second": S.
{"hour": 12, "minute": 33}
